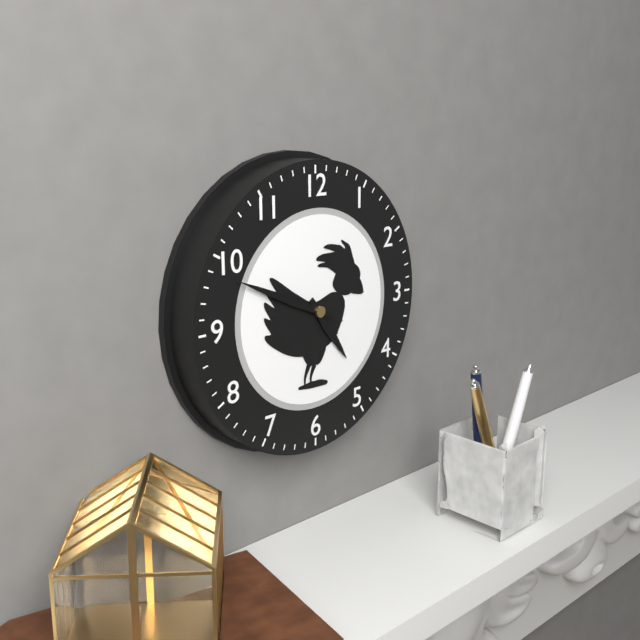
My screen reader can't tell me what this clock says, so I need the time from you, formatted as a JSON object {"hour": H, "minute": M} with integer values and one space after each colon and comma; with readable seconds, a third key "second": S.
{"hour": 4, "minute": 49}
